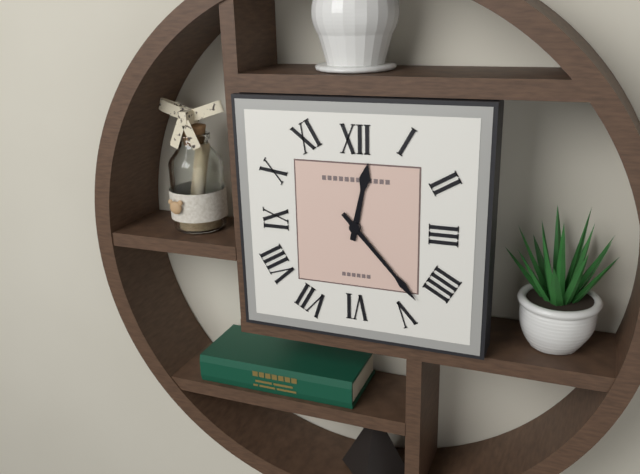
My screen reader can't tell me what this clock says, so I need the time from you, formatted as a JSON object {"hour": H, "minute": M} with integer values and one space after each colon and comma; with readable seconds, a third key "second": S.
{"hour": 12, "minute": 23}
